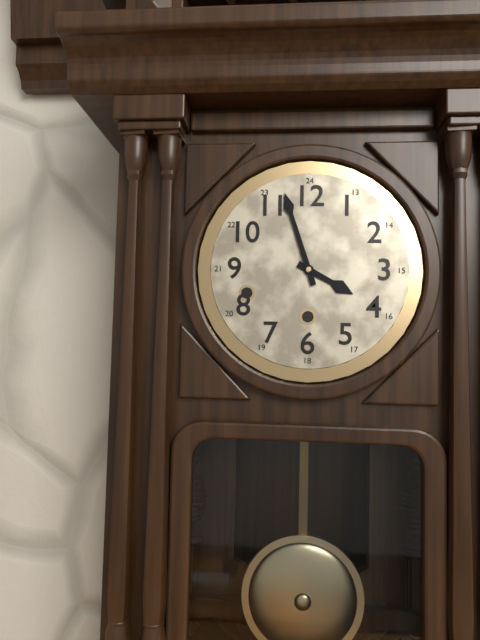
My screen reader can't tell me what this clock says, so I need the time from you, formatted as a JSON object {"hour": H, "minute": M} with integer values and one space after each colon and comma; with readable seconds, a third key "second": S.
{"hour": 3, "minute": 57}
